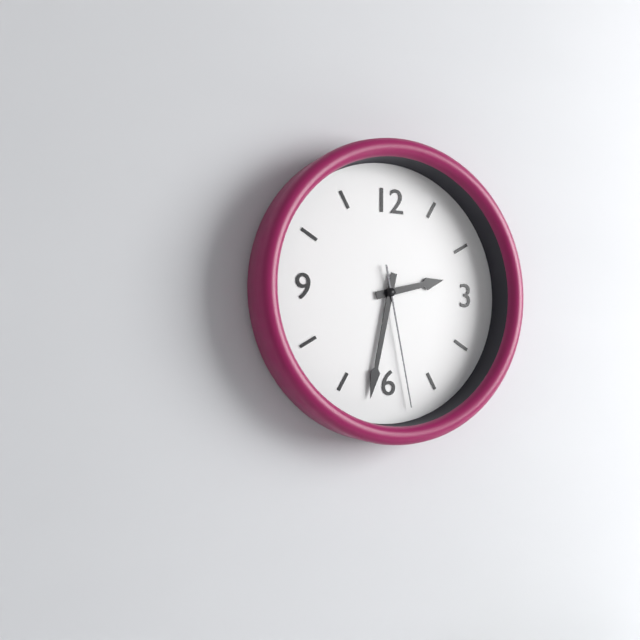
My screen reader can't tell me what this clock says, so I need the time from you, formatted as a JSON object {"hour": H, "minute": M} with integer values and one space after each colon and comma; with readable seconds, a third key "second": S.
{"hour": 2, "minute": 32, "second": 28}
